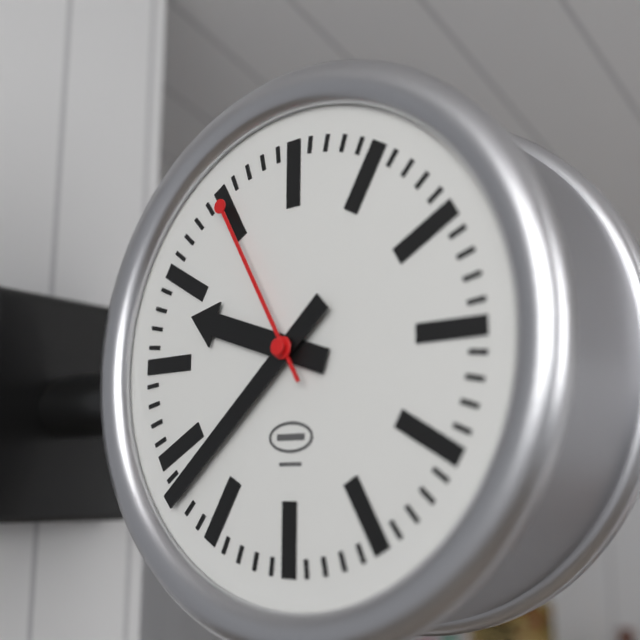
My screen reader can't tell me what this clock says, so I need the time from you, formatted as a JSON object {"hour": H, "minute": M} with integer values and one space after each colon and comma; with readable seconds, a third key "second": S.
{"hour": 9, "minute": 38, "second": 55}
